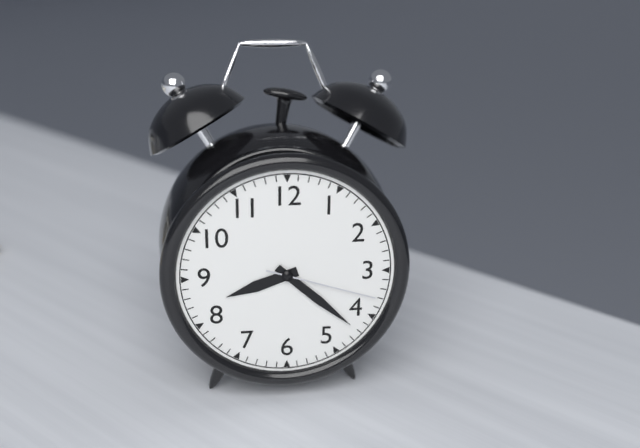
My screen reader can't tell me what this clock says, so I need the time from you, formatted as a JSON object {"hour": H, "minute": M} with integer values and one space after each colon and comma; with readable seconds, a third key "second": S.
{"hour": 8, "minute": 22, "second": 18}
